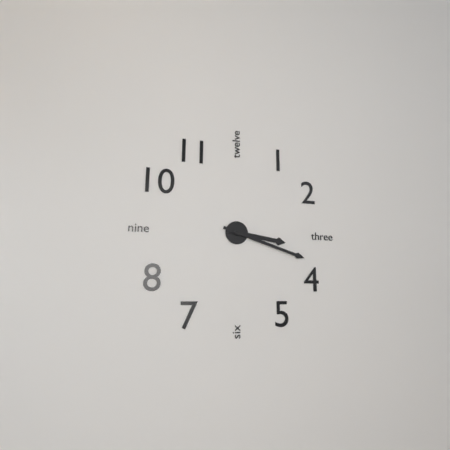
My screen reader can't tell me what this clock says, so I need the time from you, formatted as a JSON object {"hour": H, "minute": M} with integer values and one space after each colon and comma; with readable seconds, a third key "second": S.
{"hour": 3, "minute": 18}
